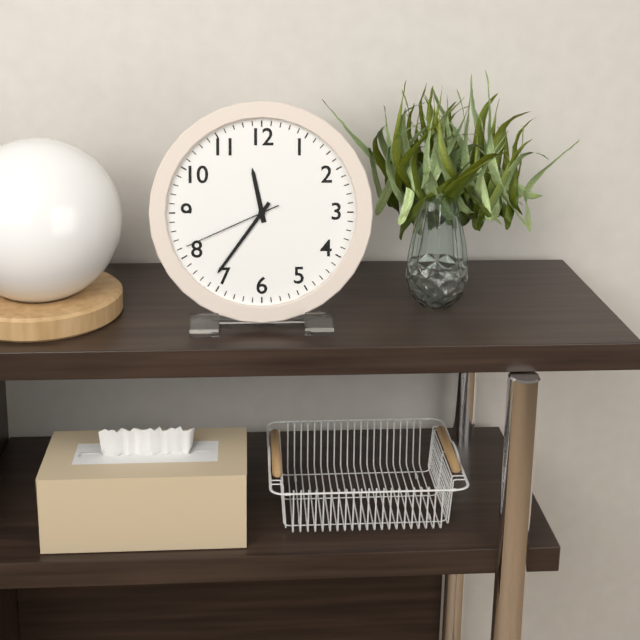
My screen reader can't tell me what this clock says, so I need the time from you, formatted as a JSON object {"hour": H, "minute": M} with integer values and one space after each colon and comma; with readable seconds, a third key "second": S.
{"hour": 11, "minute": 36, "second": 41}
